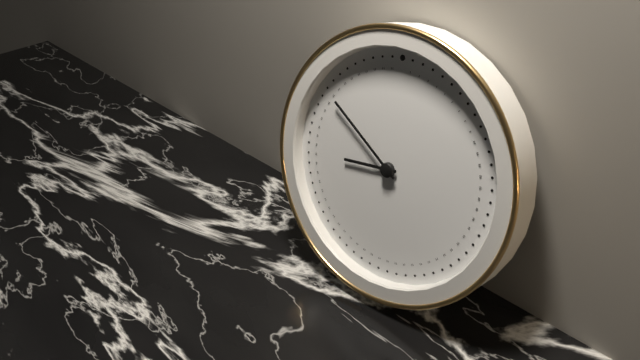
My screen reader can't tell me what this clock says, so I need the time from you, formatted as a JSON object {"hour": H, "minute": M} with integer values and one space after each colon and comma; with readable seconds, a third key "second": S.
{"hour": 8, "minute": 51}
